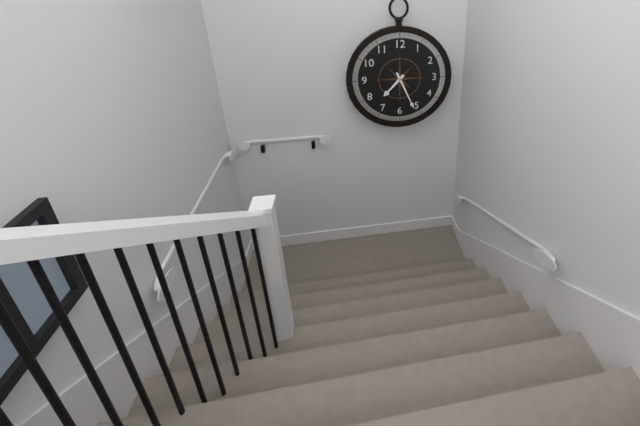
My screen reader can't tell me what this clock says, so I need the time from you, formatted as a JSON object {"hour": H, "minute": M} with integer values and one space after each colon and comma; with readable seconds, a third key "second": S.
{"hour": 7, "minute": 26}
